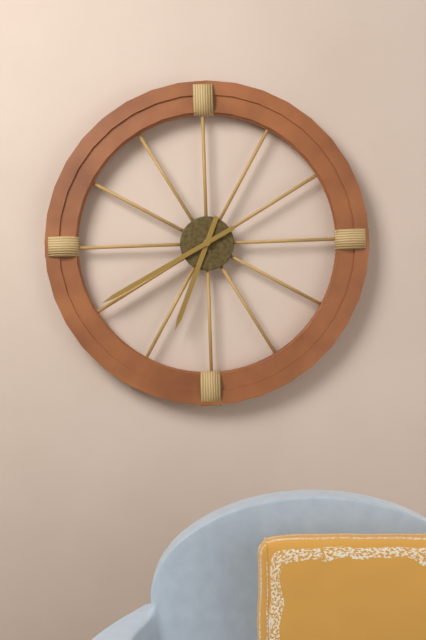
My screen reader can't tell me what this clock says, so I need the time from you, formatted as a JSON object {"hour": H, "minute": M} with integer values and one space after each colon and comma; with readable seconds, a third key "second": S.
{"hour": 6, "minute": 40}
